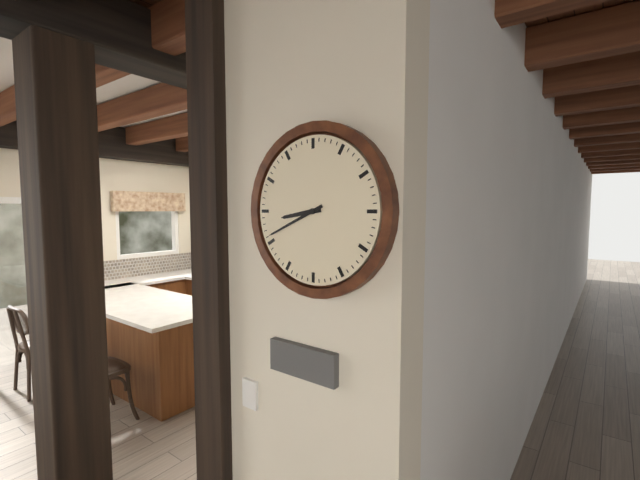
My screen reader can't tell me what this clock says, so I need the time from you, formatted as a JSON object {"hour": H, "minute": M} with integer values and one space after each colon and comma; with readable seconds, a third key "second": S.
{"hour": 8, "minute": 41}
